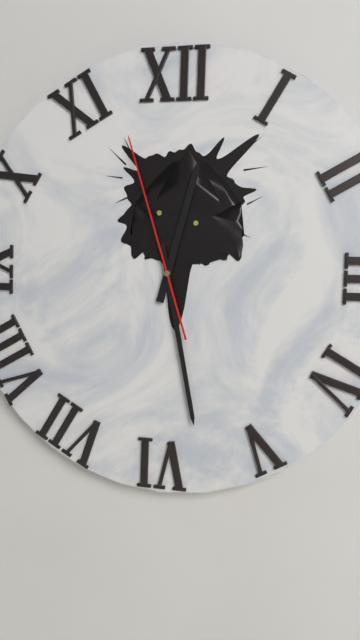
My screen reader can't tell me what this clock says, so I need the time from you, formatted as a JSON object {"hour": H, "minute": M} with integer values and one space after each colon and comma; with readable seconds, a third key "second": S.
{"hour": 12, "minute": 28, "second": 57}
